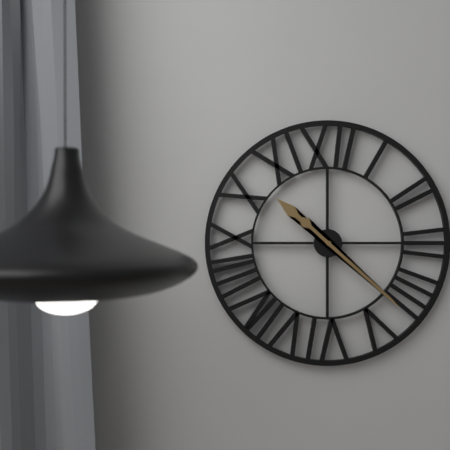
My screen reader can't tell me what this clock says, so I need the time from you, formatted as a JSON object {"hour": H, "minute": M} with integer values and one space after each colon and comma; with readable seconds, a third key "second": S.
{"hour": 10, "minute": 22}
